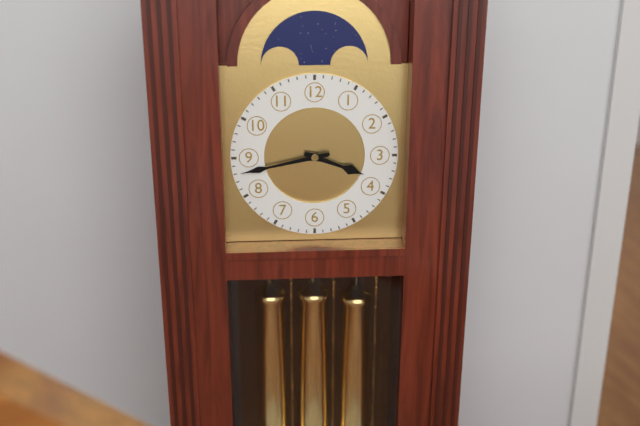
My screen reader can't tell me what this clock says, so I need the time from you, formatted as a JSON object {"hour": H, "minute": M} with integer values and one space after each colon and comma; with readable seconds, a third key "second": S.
{"hour": 3, "minute": 43}
